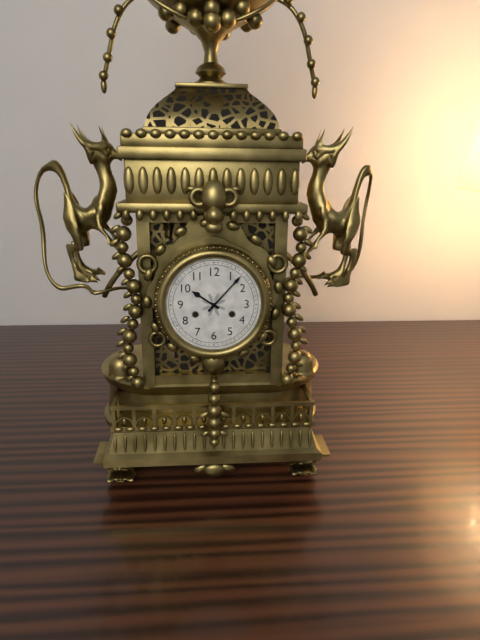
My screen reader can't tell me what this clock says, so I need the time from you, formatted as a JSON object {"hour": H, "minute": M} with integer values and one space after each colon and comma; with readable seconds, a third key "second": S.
{"hour": 10, "minute": 7}
